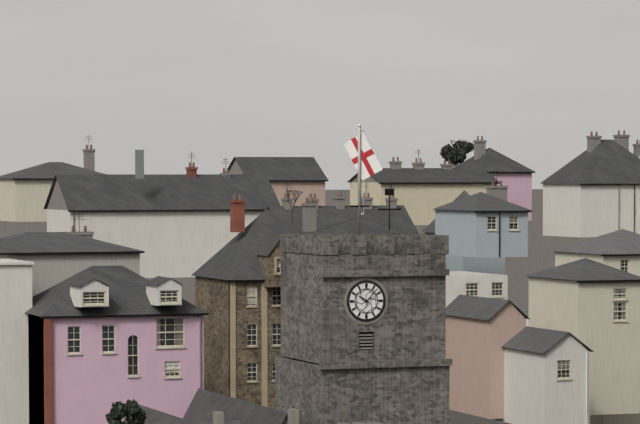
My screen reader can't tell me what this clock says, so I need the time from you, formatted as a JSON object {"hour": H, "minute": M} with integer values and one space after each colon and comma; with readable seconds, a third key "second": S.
{"hour": 10, "minute": 7}
